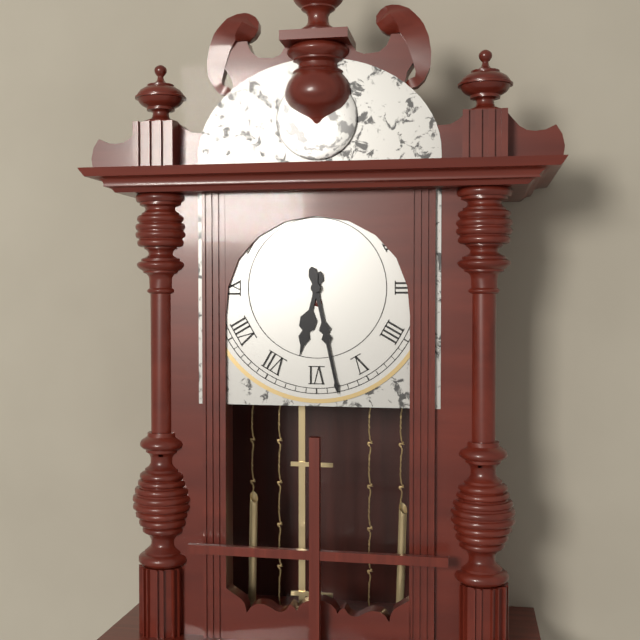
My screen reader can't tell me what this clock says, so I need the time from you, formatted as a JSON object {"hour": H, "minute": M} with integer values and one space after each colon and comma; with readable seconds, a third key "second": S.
{"hour": 6, "minute": 28}
